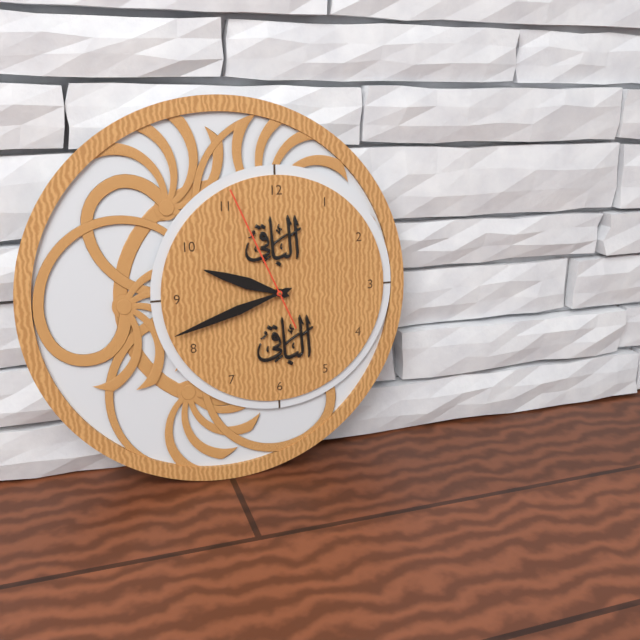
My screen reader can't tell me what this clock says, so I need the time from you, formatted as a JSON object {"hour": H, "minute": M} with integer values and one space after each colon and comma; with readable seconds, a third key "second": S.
{"hour": 9, "minute": 42, "second": 56}
